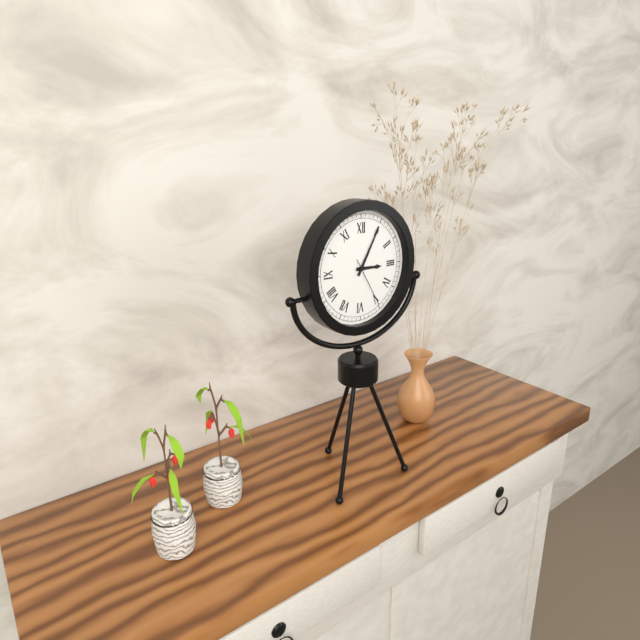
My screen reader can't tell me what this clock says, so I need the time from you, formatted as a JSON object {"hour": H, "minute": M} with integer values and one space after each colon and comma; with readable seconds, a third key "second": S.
{"hour": 3, "minute": 5}
